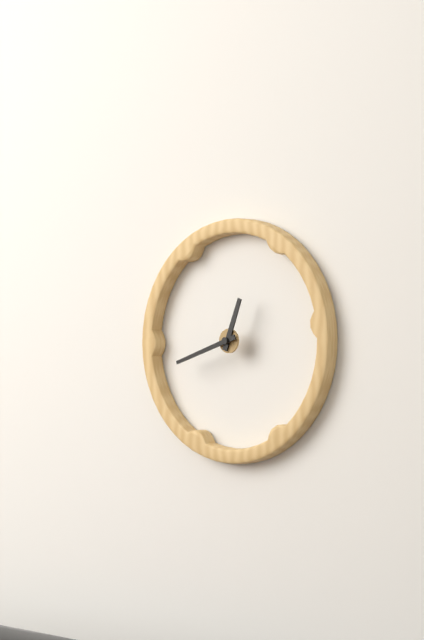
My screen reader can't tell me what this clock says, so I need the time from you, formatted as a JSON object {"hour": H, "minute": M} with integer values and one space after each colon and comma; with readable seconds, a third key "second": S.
{"hour": 12, "minute": 42}
